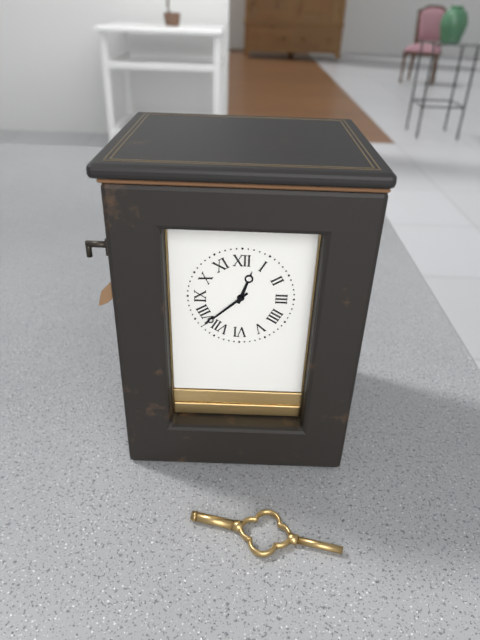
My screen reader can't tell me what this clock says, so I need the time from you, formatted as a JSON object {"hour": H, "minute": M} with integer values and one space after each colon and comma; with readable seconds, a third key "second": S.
{"hour": 12, "minute": 38}
